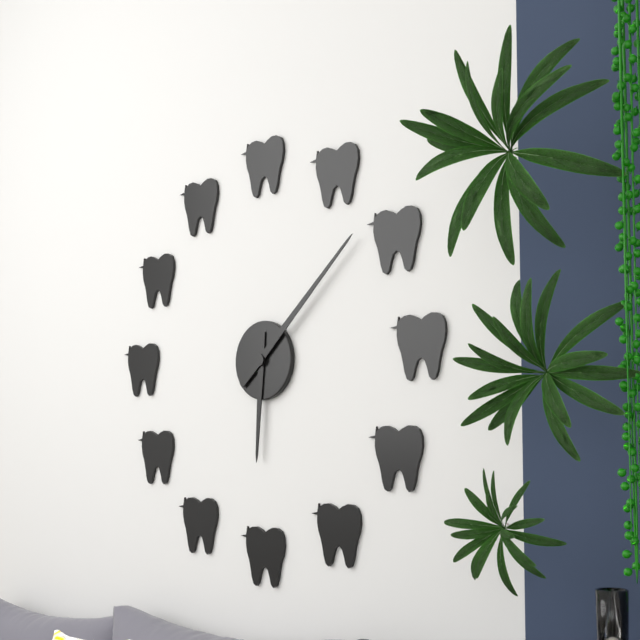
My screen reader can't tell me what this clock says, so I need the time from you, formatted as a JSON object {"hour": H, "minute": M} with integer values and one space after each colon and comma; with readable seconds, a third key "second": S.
{"hour": 6, "minute": 8}
